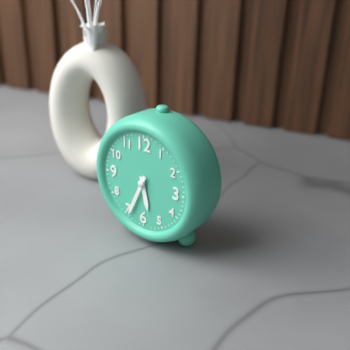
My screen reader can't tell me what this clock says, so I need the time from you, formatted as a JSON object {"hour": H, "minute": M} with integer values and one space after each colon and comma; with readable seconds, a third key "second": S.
{"hour": 5, "minute": 34}
